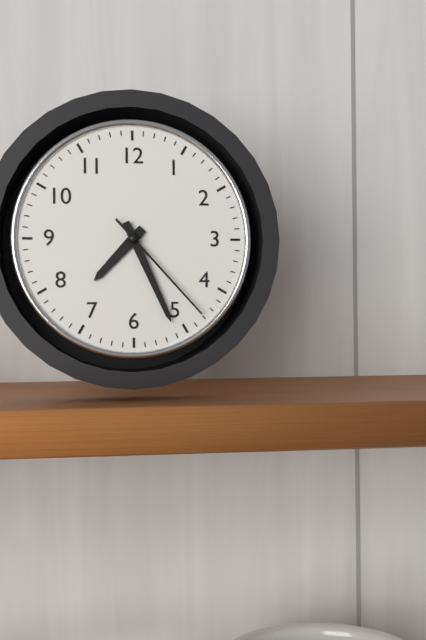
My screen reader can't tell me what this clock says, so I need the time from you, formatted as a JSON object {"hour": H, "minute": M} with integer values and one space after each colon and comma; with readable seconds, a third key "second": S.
{"hour": 7, "minute": 26, "second": 23}
